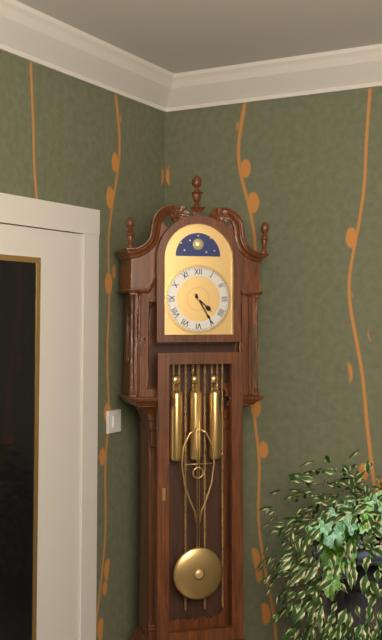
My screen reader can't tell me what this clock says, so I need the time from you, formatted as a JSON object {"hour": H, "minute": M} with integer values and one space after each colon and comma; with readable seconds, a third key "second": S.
{"hour": 4, "minute": 25}
